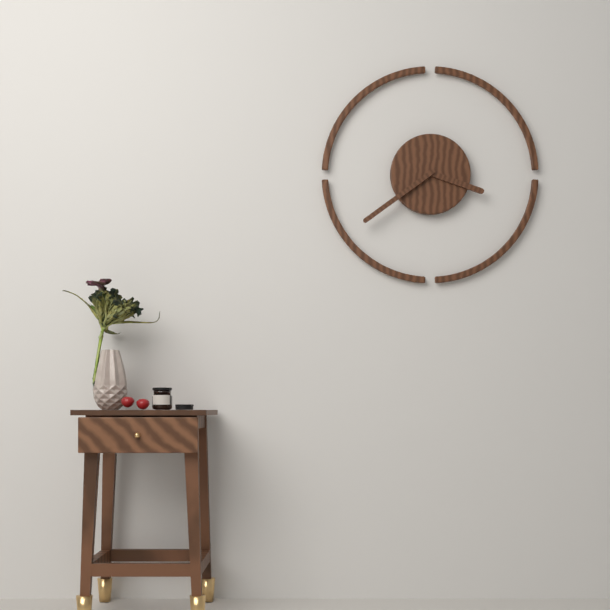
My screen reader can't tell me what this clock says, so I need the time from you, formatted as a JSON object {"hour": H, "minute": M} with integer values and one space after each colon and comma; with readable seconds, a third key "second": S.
{"hour": 3, "minute": 39}
